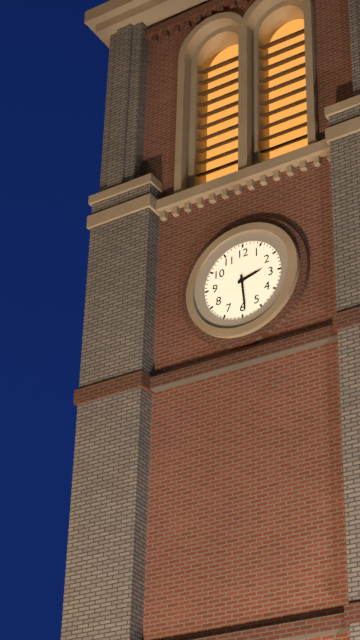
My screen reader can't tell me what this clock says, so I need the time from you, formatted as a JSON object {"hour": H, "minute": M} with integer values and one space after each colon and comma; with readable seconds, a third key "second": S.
{"hour": 2, "minute": 29}
